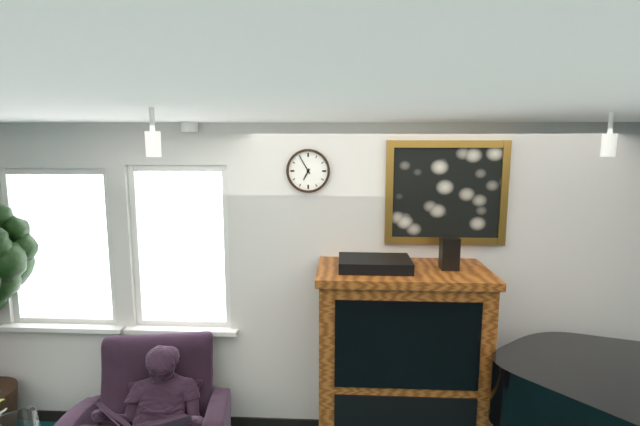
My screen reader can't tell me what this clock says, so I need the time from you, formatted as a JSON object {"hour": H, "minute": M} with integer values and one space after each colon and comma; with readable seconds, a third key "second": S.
{"hour": 6, "minute": 55}
